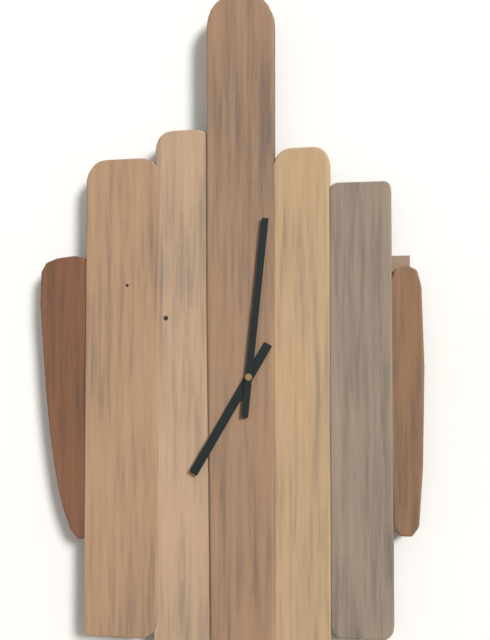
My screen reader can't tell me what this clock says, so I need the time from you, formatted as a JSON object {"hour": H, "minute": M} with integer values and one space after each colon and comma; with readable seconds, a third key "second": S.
{"hour": 7, "minute": 1}
